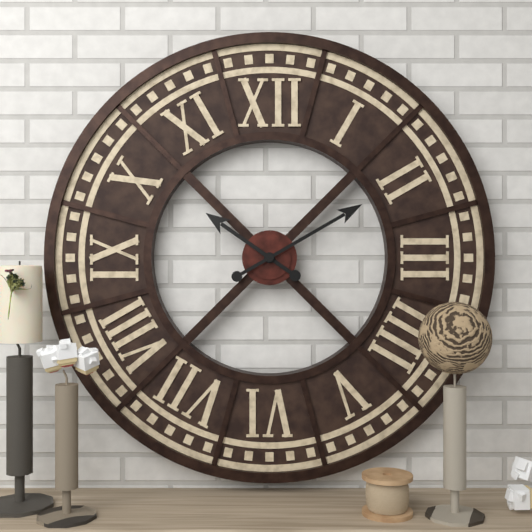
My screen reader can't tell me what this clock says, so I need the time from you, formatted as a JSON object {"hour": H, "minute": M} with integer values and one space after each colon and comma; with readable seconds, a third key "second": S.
{"hour": 10, "minute": 10}
